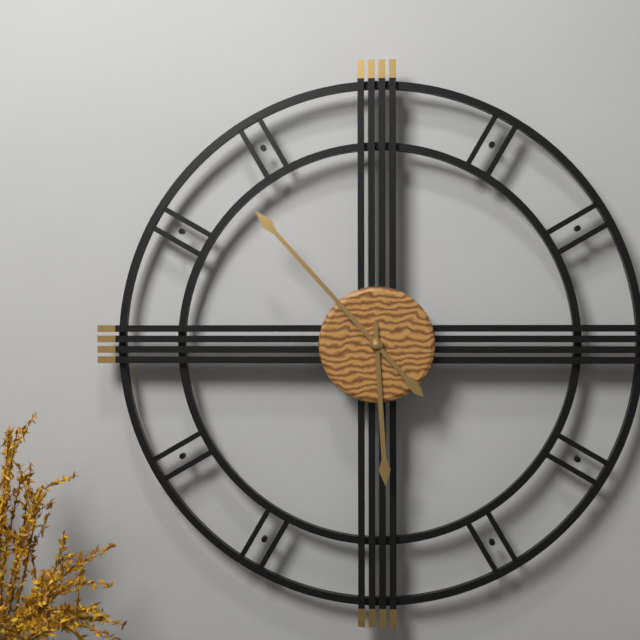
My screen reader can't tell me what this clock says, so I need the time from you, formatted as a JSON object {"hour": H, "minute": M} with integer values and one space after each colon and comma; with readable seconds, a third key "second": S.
{"hour": 5, "minute": 53}
